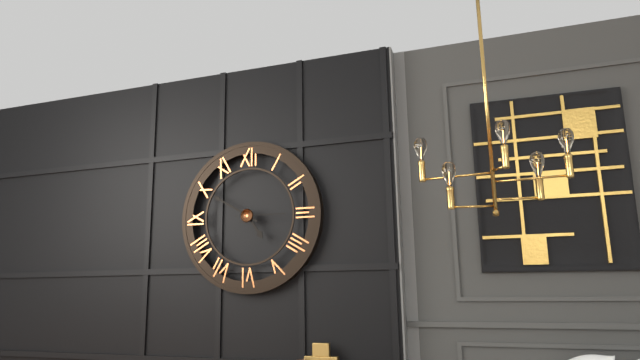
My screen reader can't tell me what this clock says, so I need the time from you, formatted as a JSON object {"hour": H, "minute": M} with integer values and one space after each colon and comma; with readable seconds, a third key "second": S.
{"hour": 4, "minute": 50}
